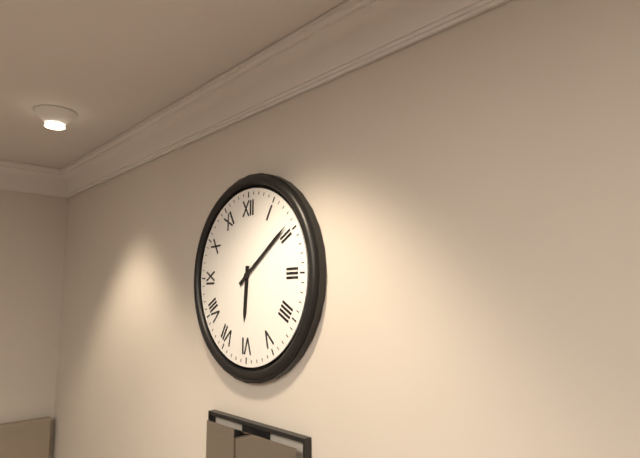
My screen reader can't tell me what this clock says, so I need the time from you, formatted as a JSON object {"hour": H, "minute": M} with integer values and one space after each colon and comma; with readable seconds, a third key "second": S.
{"hour": 6, "minute": 9}
